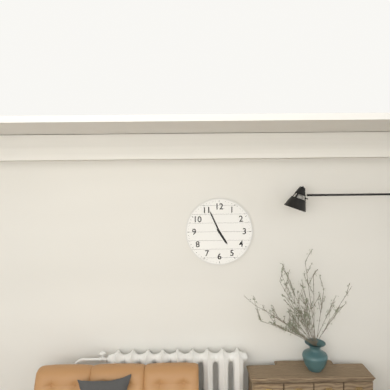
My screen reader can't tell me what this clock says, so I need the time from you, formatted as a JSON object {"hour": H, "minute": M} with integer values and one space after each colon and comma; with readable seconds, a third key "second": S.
{"hour": 4, "minute": 56}
